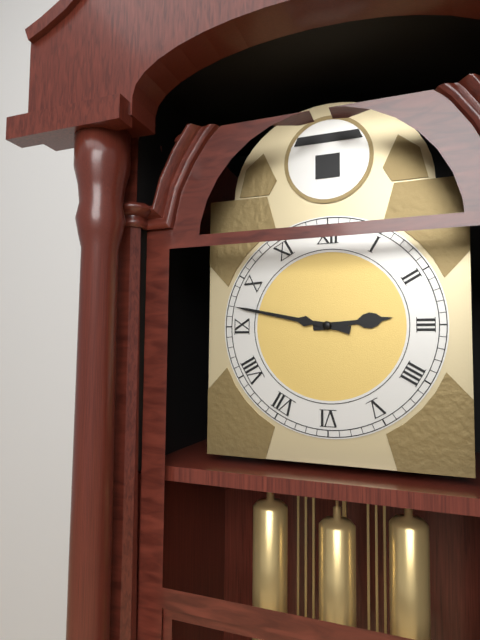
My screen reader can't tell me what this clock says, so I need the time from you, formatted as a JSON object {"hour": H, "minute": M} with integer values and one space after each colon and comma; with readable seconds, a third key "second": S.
{"hour": 2, "minute": 47}
